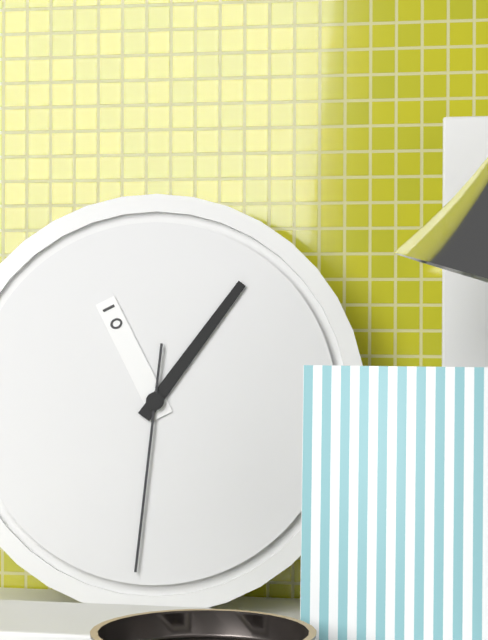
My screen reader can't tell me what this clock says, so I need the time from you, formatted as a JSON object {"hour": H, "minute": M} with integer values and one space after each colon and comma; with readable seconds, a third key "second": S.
{"hour": 11, "minute": 6, "second": 31}
